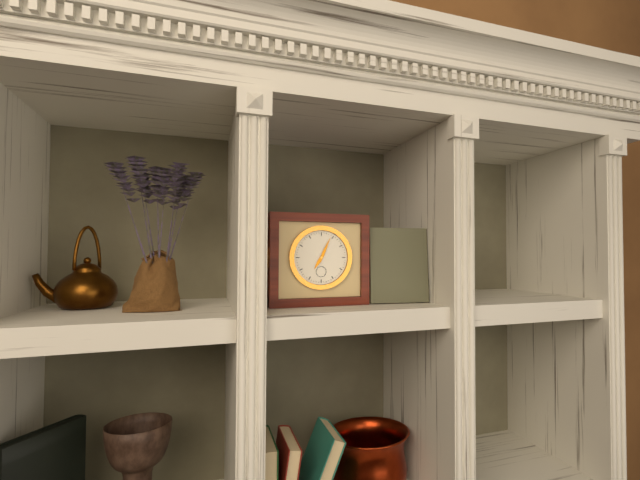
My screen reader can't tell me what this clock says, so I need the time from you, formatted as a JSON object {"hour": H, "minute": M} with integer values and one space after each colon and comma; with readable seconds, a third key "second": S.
{"hour": 7, "minute": 4}
